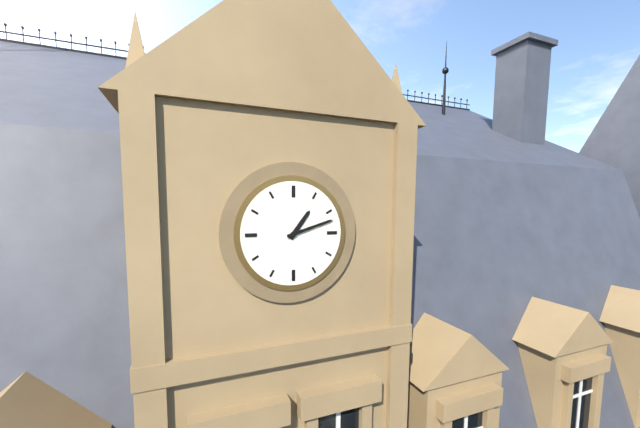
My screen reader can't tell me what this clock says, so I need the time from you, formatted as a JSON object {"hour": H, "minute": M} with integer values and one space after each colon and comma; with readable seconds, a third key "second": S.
{"hour": 1, "minute": 12}
